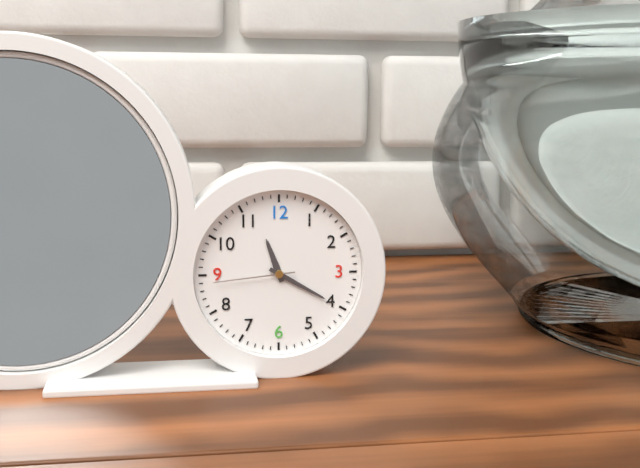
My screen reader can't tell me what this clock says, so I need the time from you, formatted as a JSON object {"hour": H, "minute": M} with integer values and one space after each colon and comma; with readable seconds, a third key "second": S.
{"hour": 11, "minute": 20, "second": 44}
